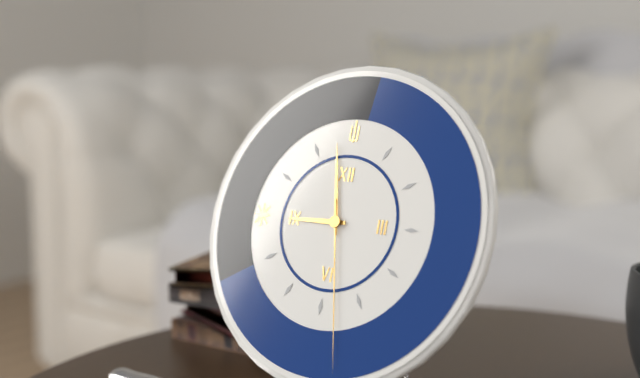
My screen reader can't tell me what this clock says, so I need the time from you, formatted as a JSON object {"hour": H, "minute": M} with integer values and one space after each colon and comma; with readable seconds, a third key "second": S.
{"hour": 8, "minute": 58, "second": 28}
